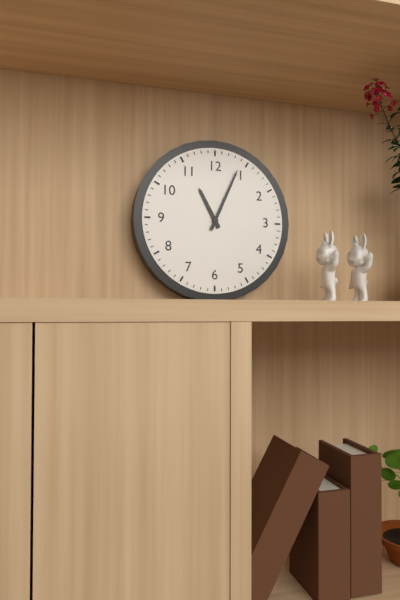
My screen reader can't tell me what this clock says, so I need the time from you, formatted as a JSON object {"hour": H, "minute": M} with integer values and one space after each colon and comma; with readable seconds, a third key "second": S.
{"hour": 11, "minute": 4}
